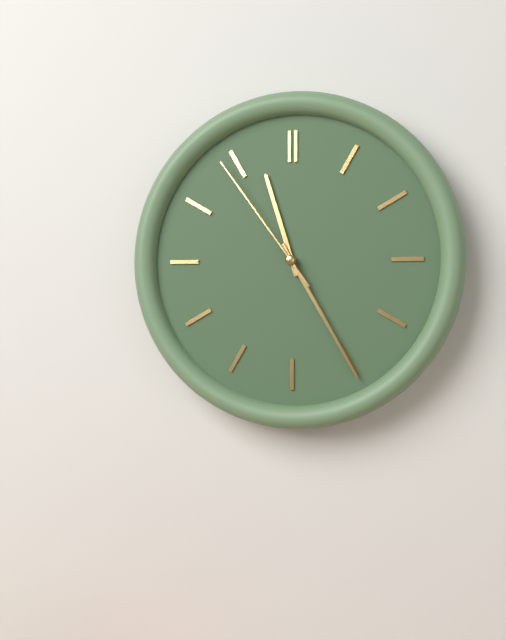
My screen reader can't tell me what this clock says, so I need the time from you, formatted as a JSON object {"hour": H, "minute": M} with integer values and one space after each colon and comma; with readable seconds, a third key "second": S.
{"hour": 11, "minute": 25, "second": 54}
